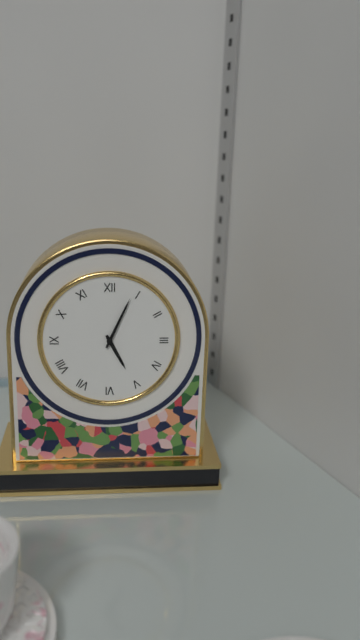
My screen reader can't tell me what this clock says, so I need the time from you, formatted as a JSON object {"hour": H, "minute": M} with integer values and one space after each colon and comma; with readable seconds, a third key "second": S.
{"hour": 5, "minute": 4}
